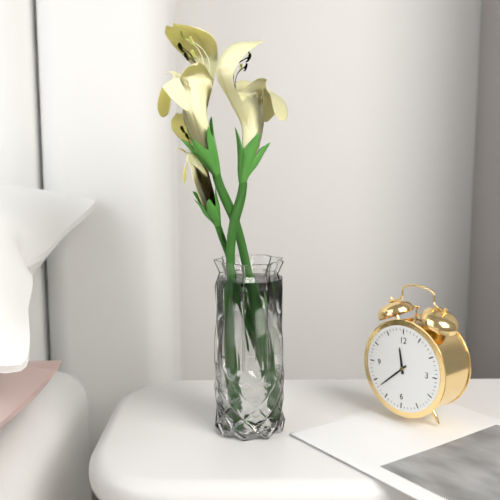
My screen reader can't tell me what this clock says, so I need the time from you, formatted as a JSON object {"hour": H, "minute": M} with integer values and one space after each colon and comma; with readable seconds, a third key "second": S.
{"hour": 11, "minute": 38}
